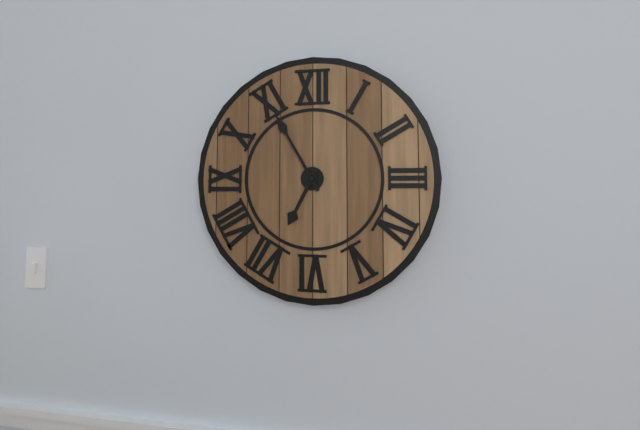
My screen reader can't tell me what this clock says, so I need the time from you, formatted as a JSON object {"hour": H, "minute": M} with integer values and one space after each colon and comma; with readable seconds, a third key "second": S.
{"hour": 6, "minute": 55}
